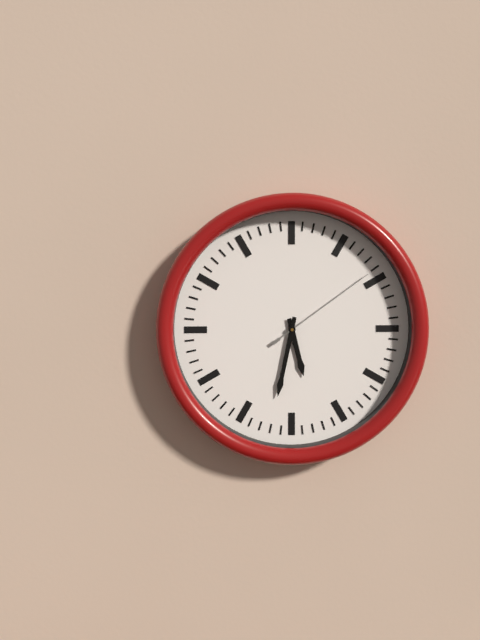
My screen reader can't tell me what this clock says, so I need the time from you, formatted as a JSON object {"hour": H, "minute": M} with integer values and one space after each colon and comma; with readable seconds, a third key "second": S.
{"hour": 5, "minute": 32, "second": 9}
